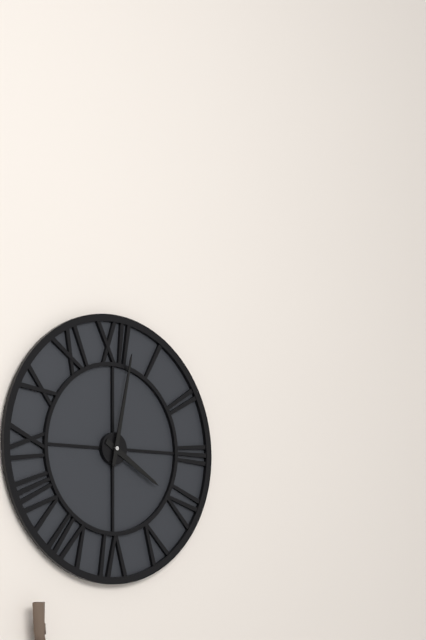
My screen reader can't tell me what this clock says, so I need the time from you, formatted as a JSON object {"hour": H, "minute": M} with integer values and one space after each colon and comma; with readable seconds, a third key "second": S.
{"hour": 4, "minute": 2}
